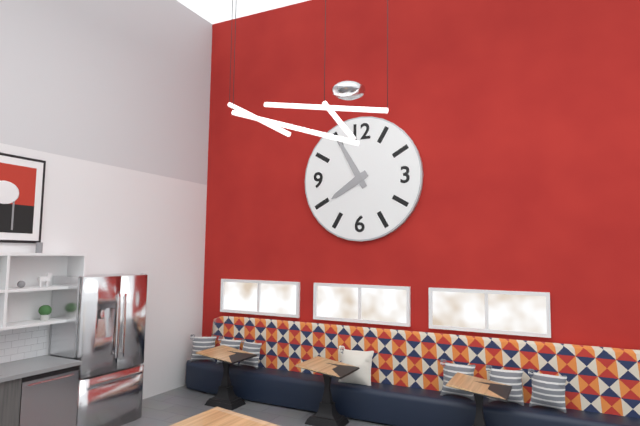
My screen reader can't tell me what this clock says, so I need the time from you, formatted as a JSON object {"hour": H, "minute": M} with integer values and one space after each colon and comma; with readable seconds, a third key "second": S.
{"hour": 7, "minute": 55}
